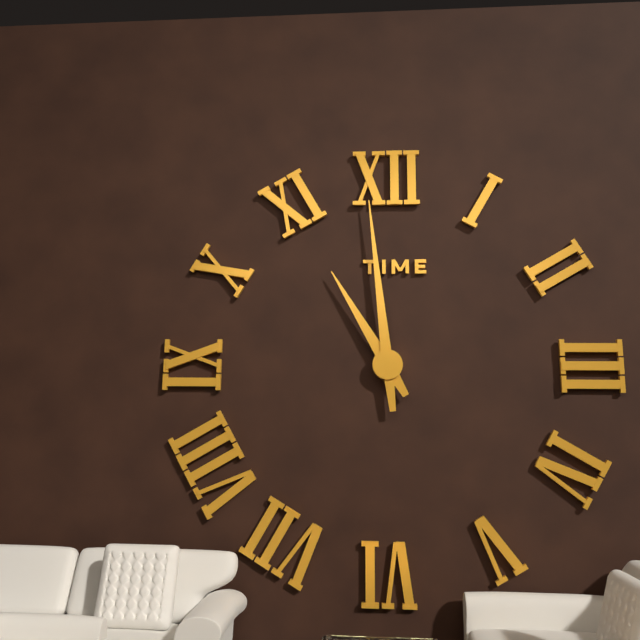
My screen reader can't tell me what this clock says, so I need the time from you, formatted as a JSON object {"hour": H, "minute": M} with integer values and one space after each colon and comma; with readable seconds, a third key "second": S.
{"hour": 10, "minute": 59}
